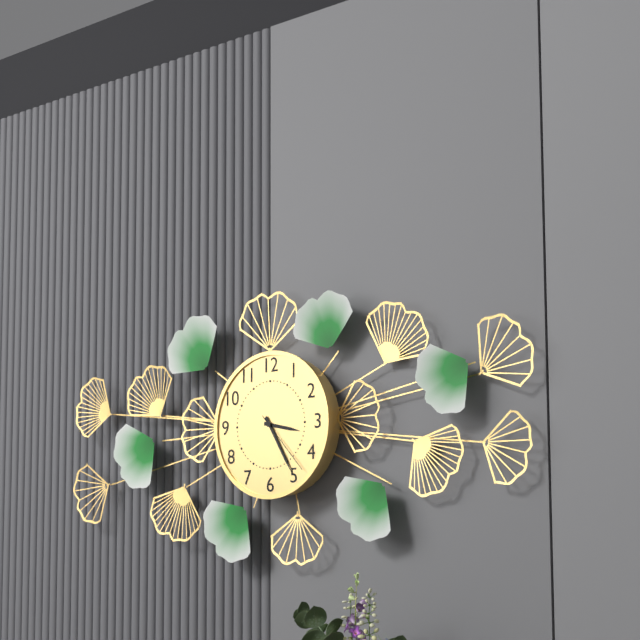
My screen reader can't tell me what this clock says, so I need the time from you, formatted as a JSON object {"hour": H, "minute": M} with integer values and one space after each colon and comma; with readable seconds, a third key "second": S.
{"hour": 3, "minute": 25, "second": 23}
